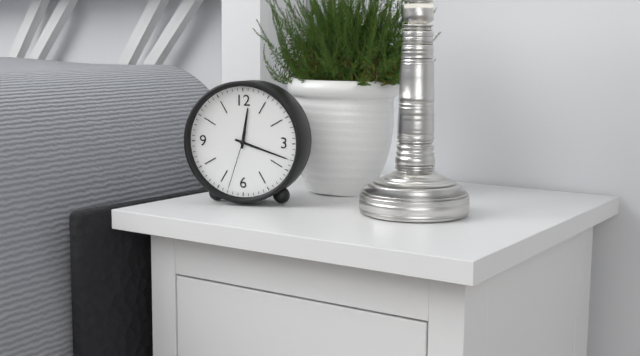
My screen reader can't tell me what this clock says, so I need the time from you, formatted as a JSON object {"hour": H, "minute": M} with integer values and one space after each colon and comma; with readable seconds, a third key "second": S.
{"hour": 12, "minute": 18, "second": 33}
